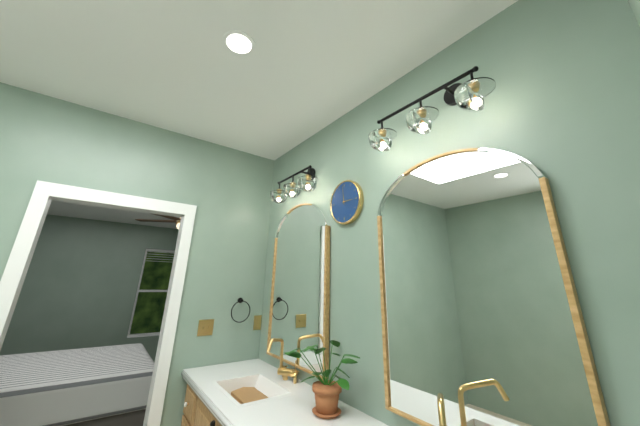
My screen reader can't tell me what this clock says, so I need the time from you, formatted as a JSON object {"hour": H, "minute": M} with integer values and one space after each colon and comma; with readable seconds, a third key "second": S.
{"hour": 2, "minute": 59}
